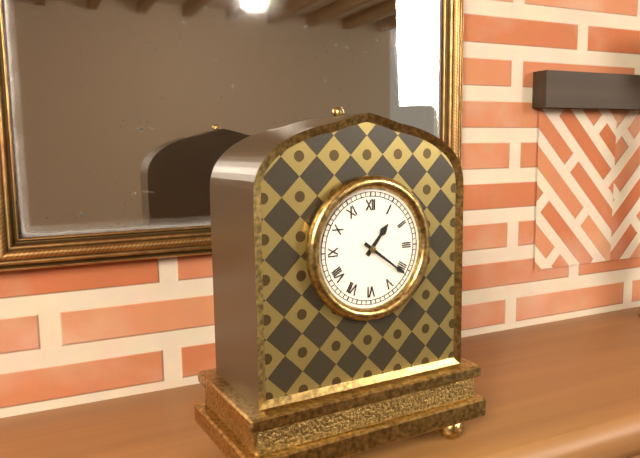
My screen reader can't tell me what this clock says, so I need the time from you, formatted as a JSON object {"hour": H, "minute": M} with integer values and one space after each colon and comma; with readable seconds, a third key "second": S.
{"hour": 1, "minute": 21}
